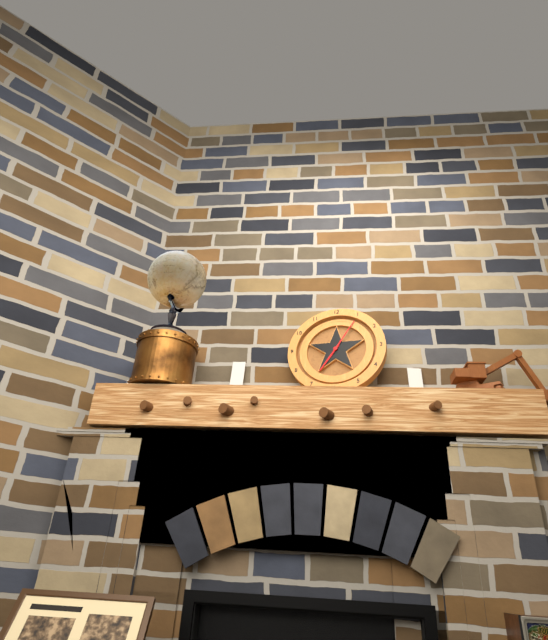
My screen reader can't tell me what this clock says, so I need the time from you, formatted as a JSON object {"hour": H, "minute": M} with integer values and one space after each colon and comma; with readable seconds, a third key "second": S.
{"hour": 7, "minute": 5}
